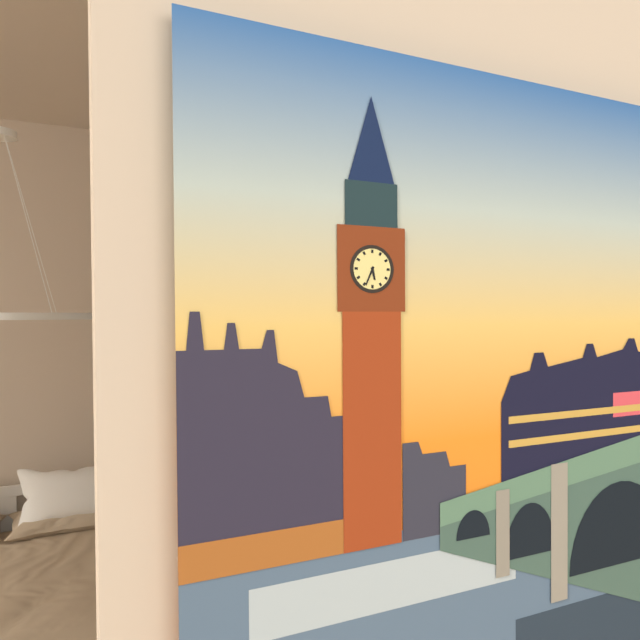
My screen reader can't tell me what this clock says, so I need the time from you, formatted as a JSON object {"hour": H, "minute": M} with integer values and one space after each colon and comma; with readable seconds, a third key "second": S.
{"hour": 5, "minute": 34}
